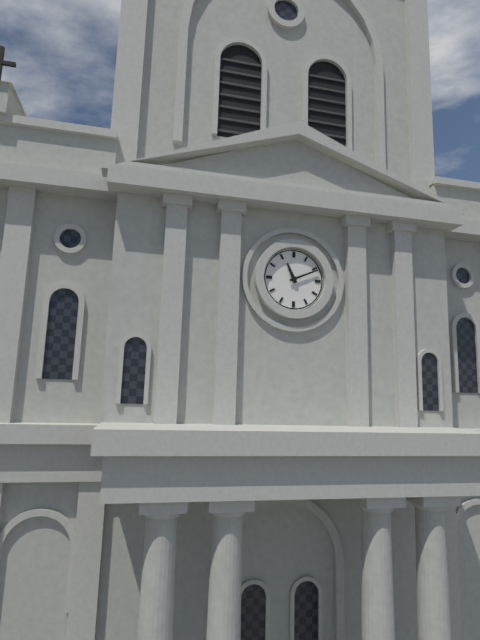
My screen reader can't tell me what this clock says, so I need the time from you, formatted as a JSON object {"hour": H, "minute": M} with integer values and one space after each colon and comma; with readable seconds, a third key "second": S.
{"hour": 11, "minute": 11}
